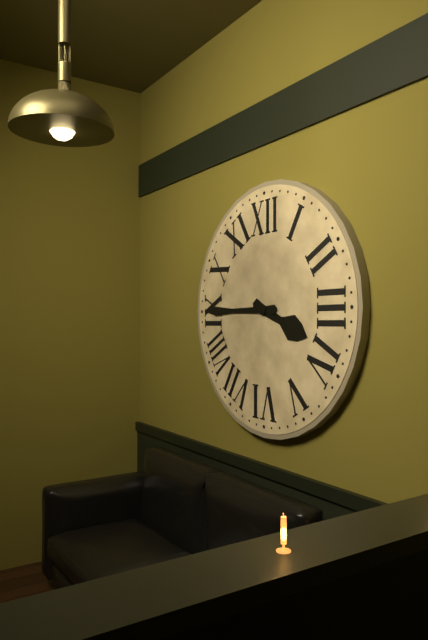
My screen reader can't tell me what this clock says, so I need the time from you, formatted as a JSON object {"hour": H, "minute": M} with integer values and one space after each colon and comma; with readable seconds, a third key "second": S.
{"hour": 3, "minute": 45}
